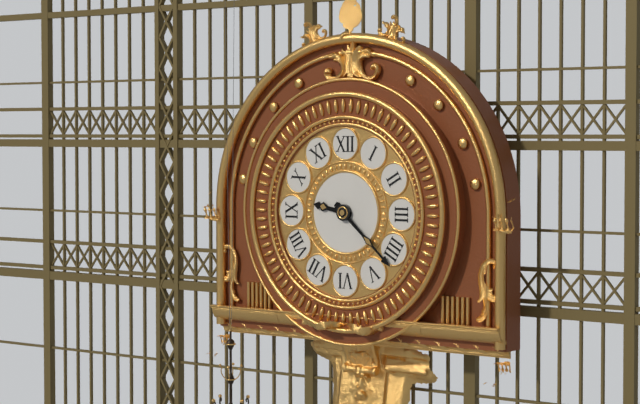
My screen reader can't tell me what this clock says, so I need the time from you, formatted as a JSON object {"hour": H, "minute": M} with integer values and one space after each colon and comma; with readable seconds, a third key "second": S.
{"hour": 9, "minute": 22}
